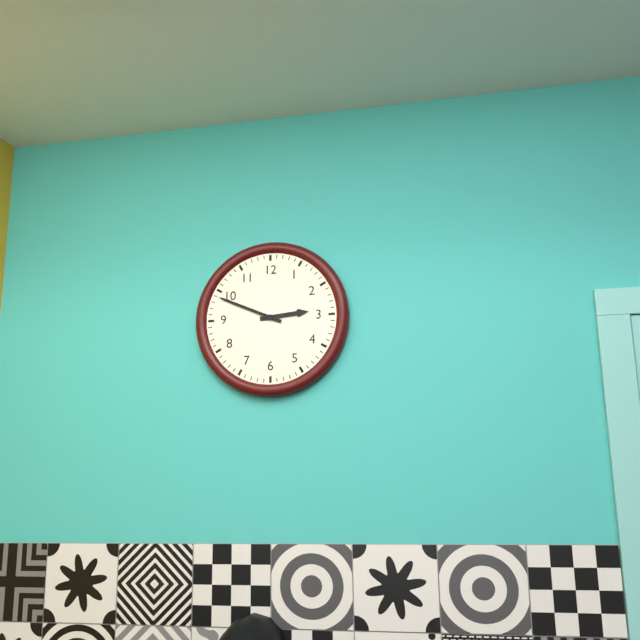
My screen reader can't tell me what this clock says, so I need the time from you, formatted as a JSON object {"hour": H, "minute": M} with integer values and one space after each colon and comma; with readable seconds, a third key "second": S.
{"hour": 2, "minute": 49}
